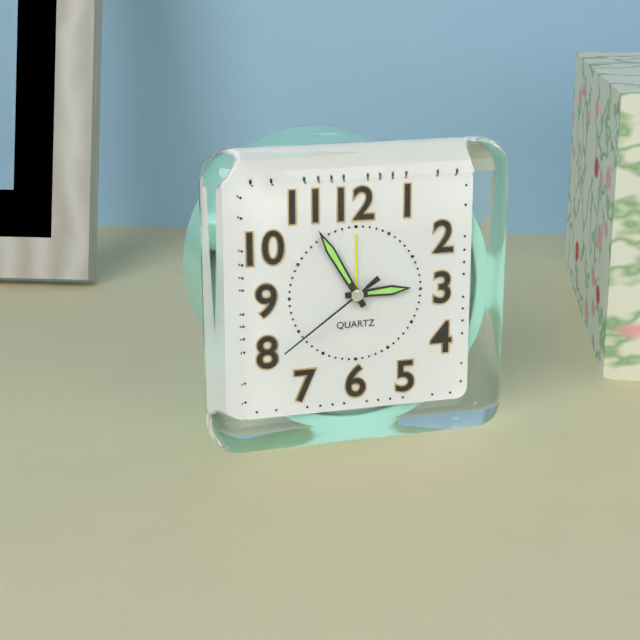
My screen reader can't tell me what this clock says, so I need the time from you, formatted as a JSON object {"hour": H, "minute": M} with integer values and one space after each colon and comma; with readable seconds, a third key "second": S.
{"hour": 2, "minute": 55, "second": 39}
